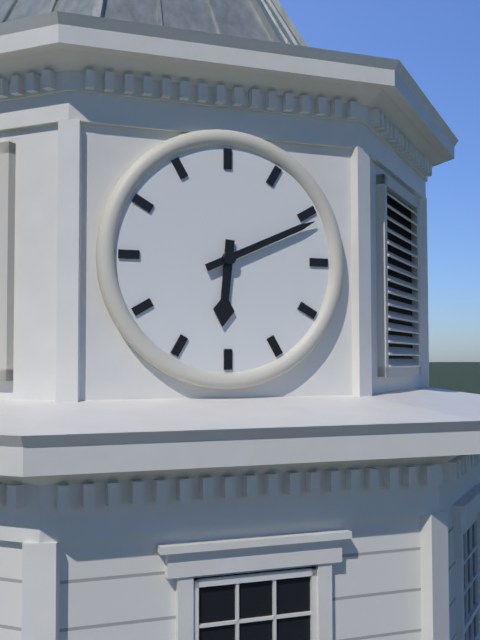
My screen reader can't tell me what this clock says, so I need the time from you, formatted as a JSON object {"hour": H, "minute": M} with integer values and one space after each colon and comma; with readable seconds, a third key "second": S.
{"hour": 6, "minute": 11}
